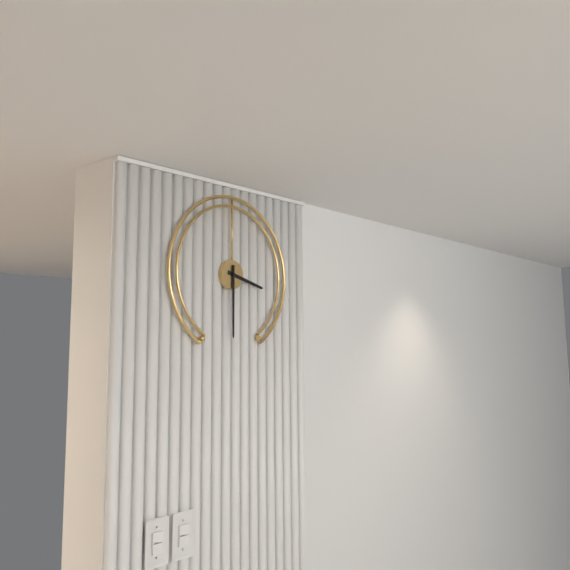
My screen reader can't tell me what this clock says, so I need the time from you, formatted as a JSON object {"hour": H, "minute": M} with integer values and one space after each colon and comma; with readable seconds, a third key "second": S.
{"hour": 3, "minute": 30}
